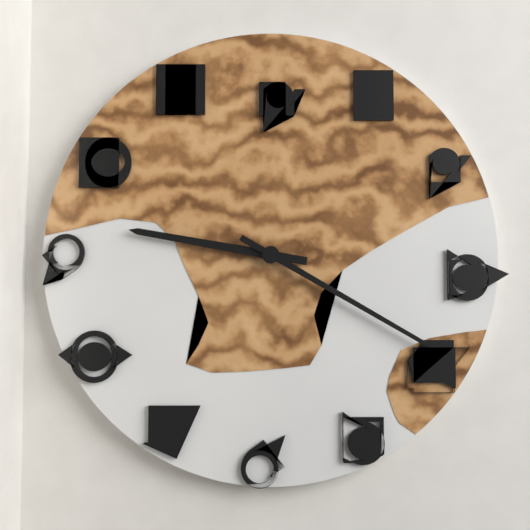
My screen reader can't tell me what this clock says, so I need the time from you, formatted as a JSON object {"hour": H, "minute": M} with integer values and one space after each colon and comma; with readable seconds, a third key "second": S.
{"hour": 9, "minute": 20}
